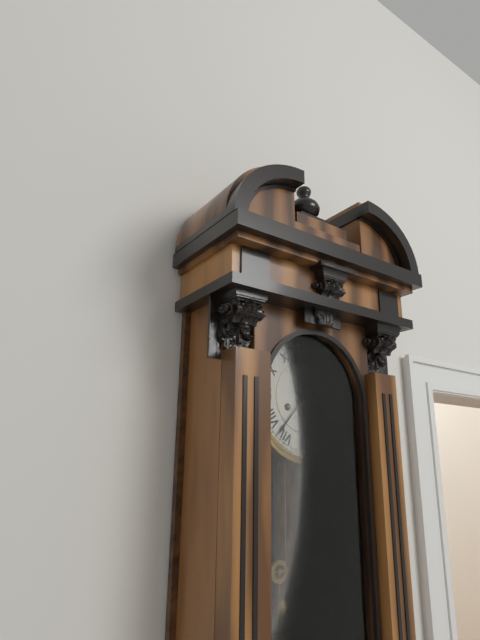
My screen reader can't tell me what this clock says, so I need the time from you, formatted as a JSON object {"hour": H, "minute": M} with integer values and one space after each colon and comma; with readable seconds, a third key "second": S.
{"hour": 1, "minute": 37}
